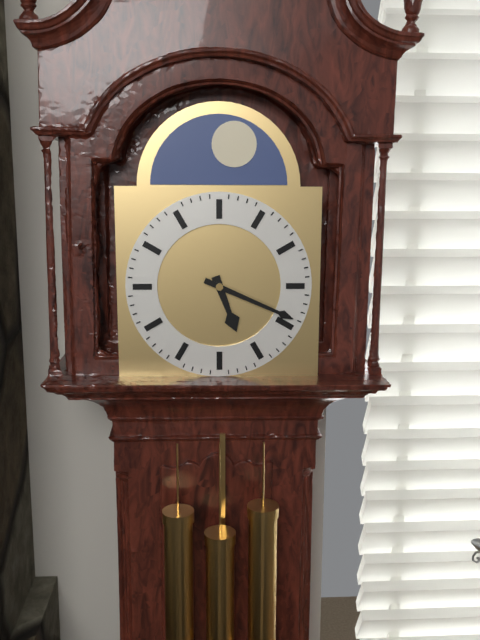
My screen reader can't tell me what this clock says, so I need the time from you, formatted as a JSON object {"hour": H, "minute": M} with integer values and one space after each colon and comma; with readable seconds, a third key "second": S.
{"hour": 5, "minute": 19}
